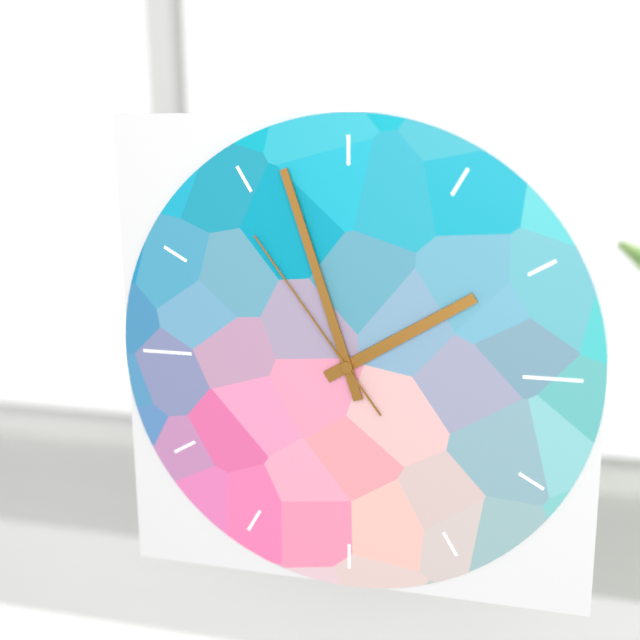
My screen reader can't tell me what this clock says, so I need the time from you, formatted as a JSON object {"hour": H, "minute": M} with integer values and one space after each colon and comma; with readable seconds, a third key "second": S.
{"hour": 1, "minute": 57, "second": 54}
